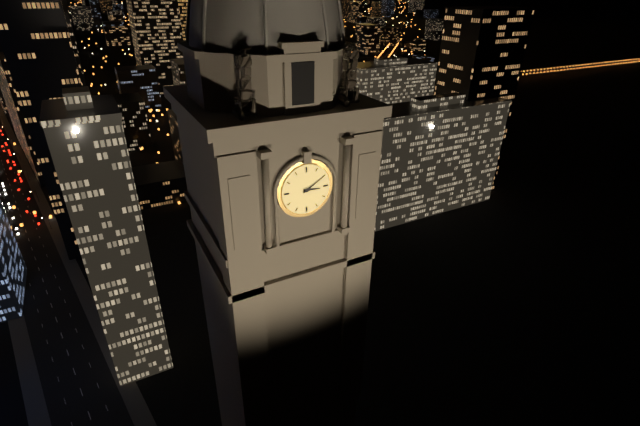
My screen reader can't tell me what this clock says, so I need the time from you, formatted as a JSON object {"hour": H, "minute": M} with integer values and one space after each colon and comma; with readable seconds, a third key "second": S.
{"hour": 3, "minute": 10}
